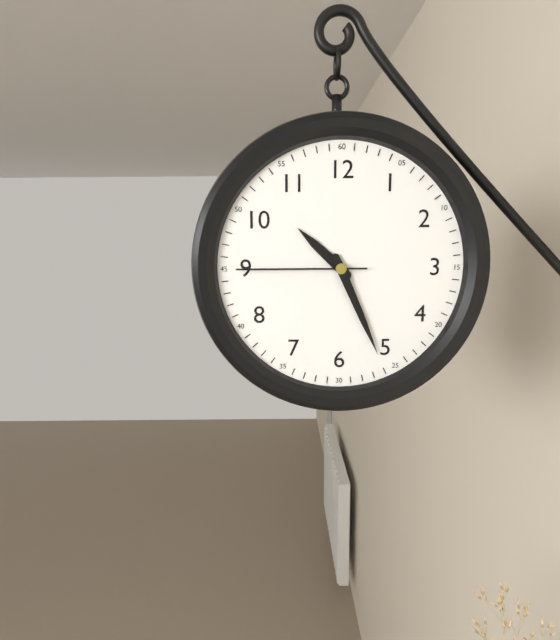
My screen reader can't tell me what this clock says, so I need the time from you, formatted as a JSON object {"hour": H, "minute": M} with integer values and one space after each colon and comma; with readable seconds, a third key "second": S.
{"hour": 10, "minute": 26, "second": 45}
